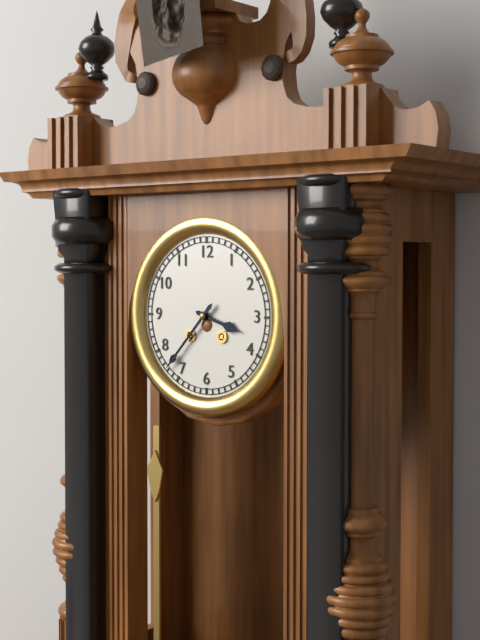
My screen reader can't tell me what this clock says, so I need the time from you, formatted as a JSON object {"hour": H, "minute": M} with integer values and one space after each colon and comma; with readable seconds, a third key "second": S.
{"hour": 3, "minute": 37}
